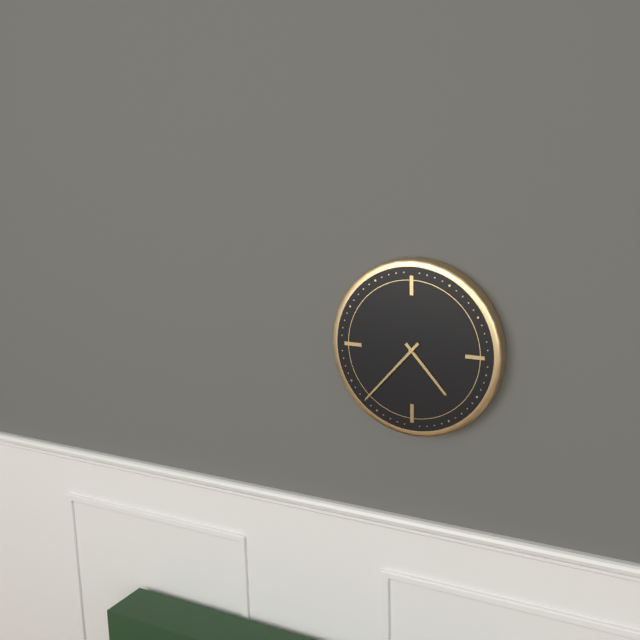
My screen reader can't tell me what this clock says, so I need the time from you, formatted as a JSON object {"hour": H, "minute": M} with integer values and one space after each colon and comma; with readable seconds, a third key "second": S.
{"hour": 4, "minute": 37}
